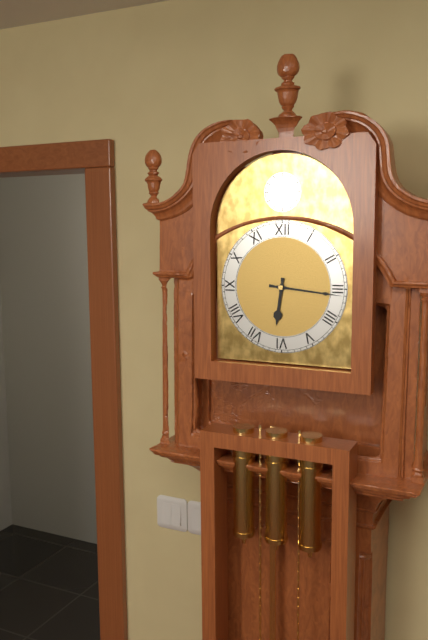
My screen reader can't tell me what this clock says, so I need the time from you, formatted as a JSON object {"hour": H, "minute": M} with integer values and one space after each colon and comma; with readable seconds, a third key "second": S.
{"hour": 6, "minute": 16}
